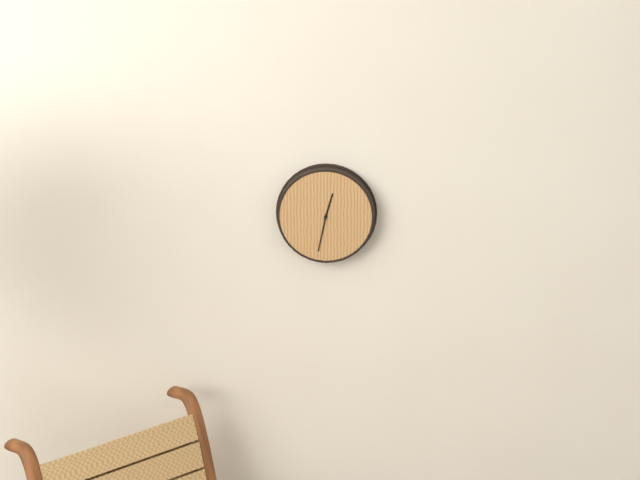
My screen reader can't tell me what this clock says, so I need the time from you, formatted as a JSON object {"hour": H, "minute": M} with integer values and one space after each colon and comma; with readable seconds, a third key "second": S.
{"hour": 12, "minute": 32}
